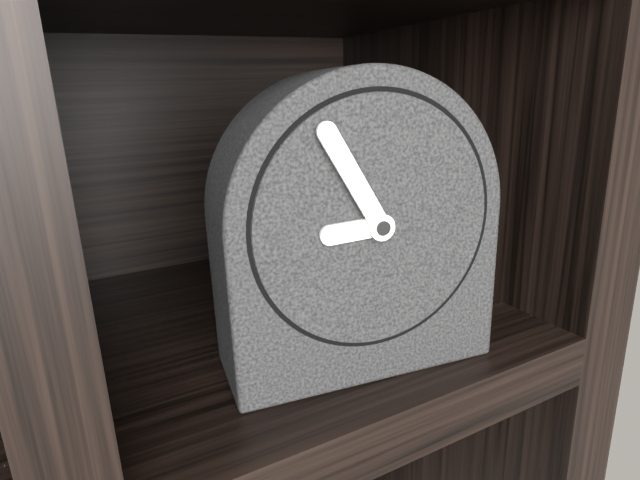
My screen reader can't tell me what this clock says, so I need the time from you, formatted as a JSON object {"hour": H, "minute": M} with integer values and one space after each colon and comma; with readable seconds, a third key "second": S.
{"hour": 8, "minute": 55}
